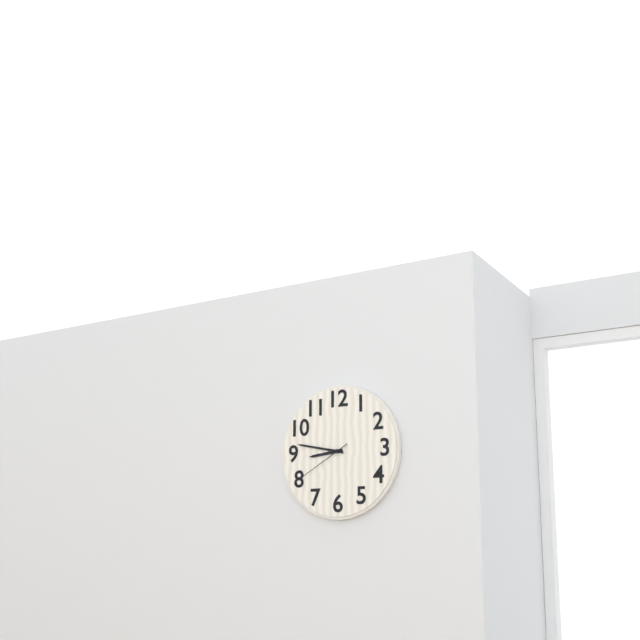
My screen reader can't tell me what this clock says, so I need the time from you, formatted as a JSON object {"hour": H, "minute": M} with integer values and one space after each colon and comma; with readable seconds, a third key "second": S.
{"hour": 8, "minute": 47, "second": 40}
